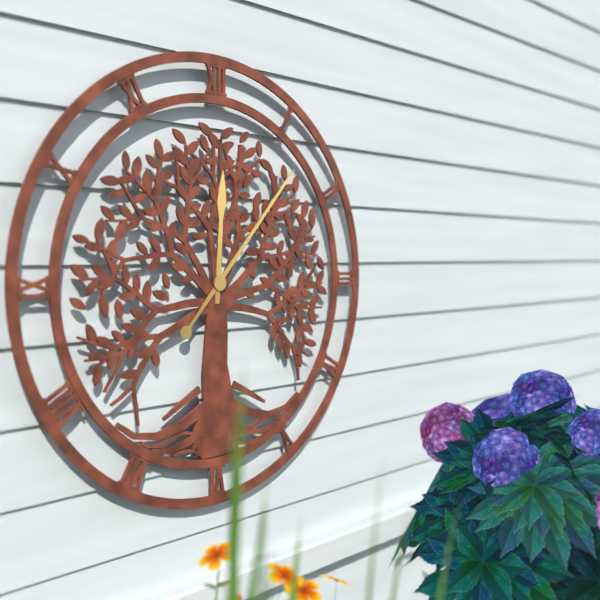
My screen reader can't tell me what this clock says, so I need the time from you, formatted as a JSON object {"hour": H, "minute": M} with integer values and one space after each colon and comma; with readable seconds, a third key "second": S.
{"hour": 12, "minute": 7}
